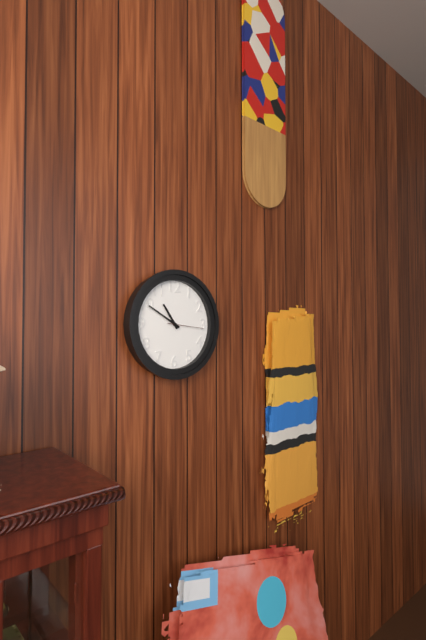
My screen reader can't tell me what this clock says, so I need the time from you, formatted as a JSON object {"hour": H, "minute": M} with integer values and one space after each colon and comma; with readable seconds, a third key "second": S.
{"hour": 10, "minute": 50}
